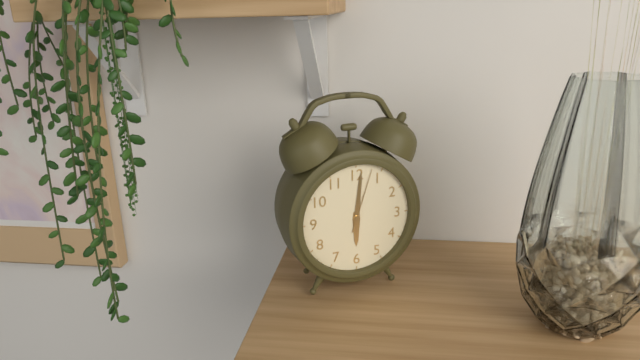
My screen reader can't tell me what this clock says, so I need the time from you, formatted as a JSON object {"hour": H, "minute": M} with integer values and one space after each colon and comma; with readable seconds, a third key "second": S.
{"hour": 6, "minute": 1, "second": 3}
